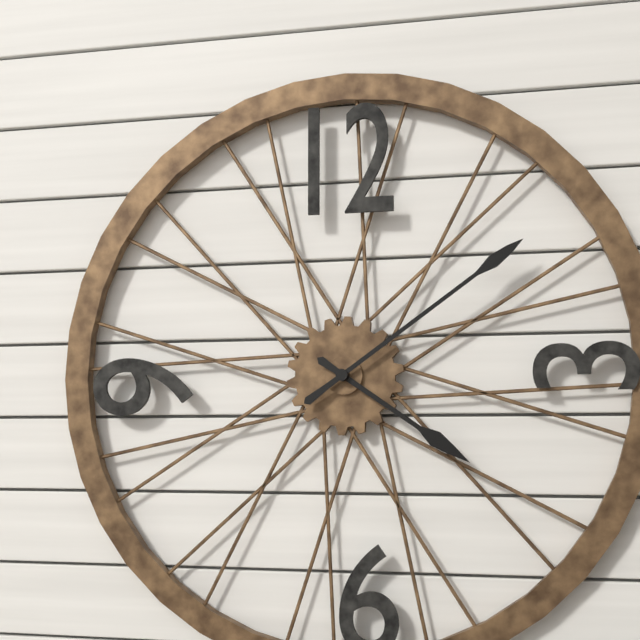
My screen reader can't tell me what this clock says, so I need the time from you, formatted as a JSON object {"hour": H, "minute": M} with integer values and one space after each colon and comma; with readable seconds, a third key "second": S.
{"hour": 4, "minute": 9}
